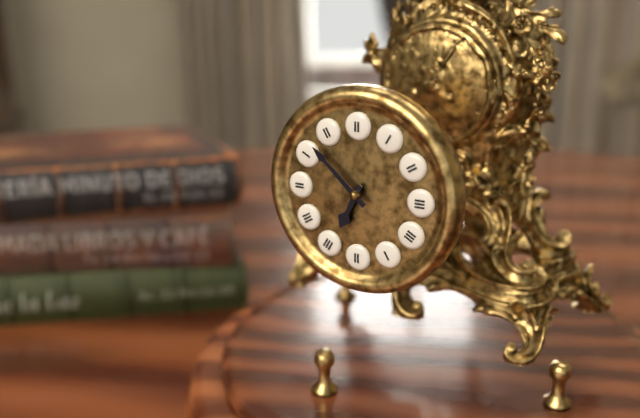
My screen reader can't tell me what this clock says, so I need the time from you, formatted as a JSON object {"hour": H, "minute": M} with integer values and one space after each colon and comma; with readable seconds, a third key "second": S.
{"hour": 6, "minute": 52}
